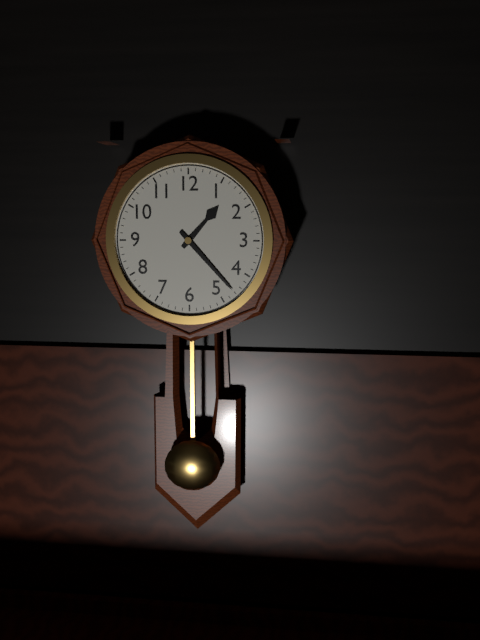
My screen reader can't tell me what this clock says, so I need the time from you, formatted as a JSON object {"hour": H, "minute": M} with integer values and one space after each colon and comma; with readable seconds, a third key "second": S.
{"hour": 1, "minute": 23}
